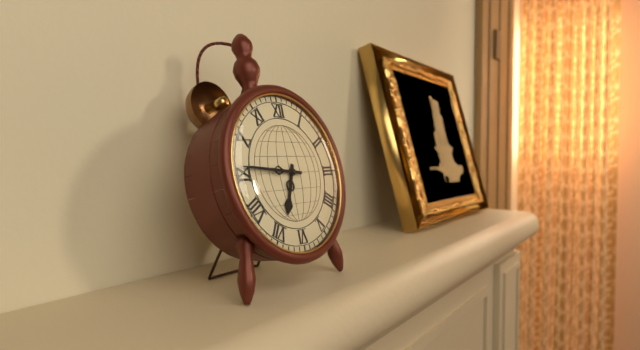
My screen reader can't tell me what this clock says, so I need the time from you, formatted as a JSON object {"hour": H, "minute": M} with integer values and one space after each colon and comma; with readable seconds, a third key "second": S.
{"hour": 6, "minute": 46}
